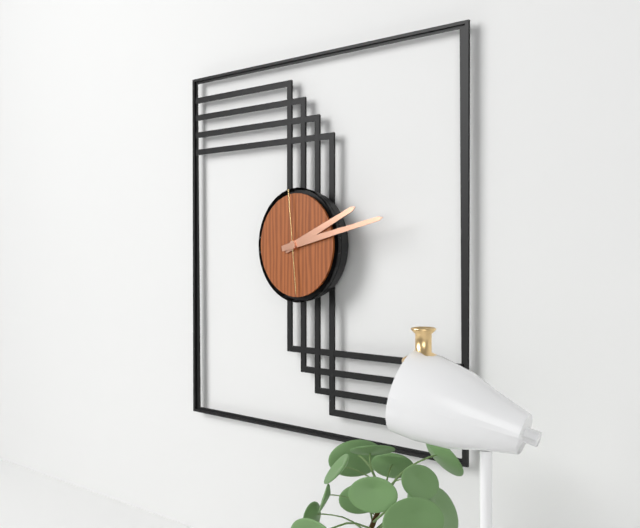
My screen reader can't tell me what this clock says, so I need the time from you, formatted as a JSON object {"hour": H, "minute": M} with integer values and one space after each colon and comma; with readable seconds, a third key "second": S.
{"hour": 2, "minute": 13, "second": 59}
